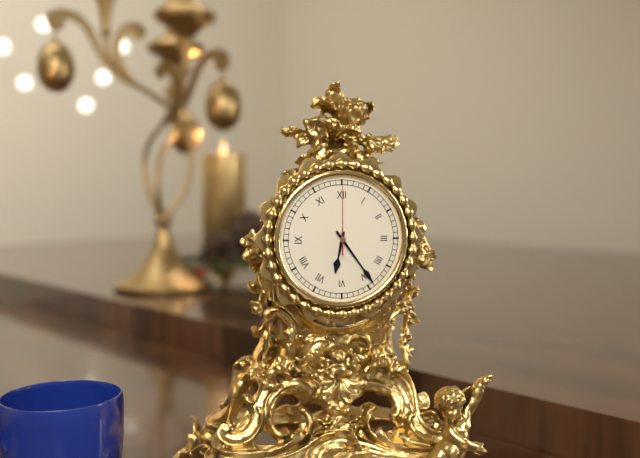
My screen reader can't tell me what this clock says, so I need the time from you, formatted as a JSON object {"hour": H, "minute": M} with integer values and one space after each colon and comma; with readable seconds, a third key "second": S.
{"hour": 6, "minute": 24, "second": 0}
